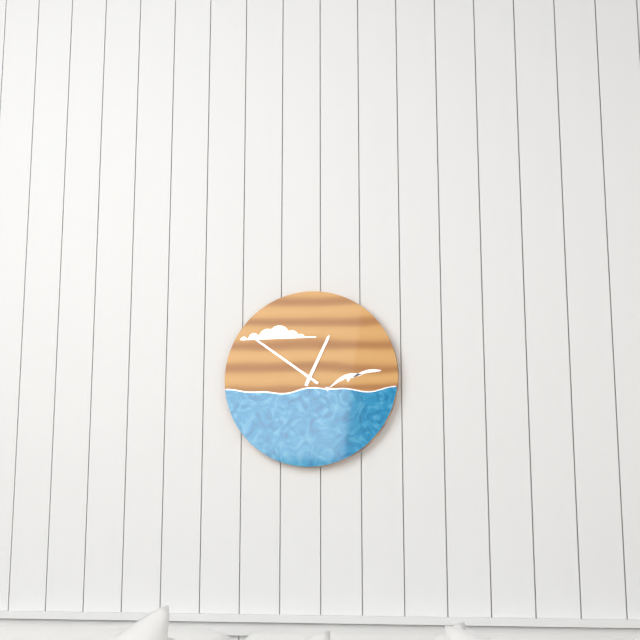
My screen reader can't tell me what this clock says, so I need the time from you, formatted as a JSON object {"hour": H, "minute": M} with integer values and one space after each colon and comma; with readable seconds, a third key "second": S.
{"hour": 12, "minute": 51}
